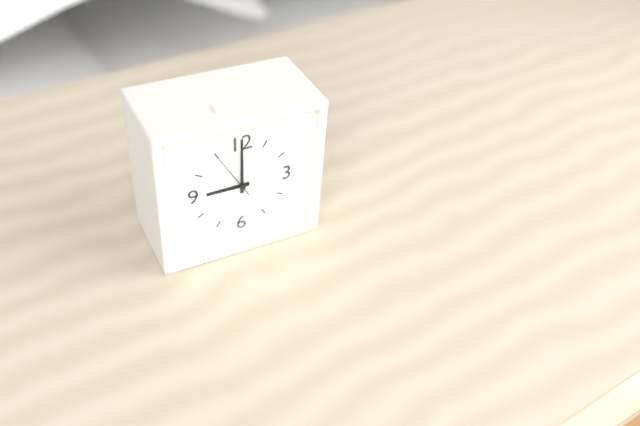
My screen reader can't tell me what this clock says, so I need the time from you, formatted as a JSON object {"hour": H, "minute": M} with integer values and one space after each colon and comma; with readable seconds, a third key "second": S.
{"hour": 9, "minute": 0}
